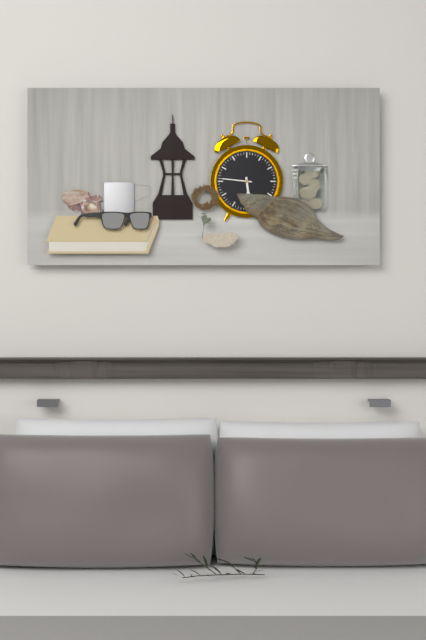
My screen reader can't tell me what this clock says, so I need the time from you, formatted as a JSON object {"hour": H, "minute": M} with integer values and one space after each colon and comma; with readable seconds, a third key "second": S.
{"hour": 5, "minute": 46}
